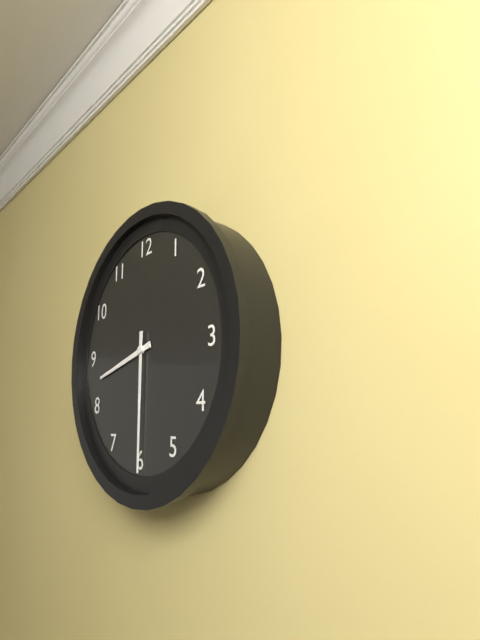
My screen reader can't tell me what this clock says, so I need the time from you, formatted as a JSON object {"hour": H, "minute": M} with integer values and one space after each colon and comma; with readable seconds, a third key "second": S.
{"hour": 8, "minute": 30}
